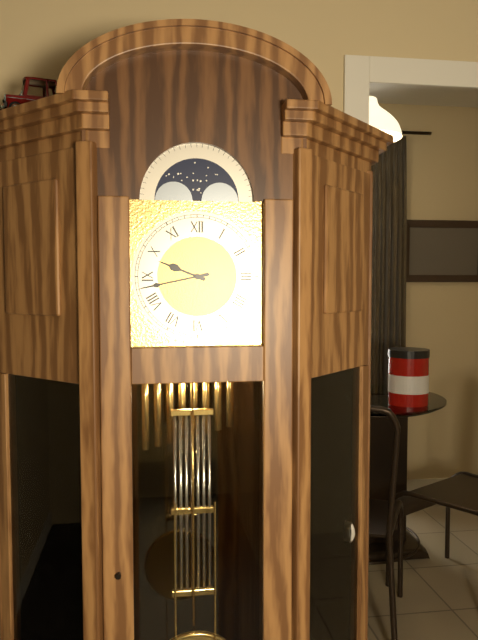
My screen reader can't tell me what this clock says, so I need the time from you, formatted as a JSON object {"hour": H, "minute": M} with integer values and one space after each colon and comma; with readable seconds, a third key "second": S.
{"hour": 9, "minute": 43}
